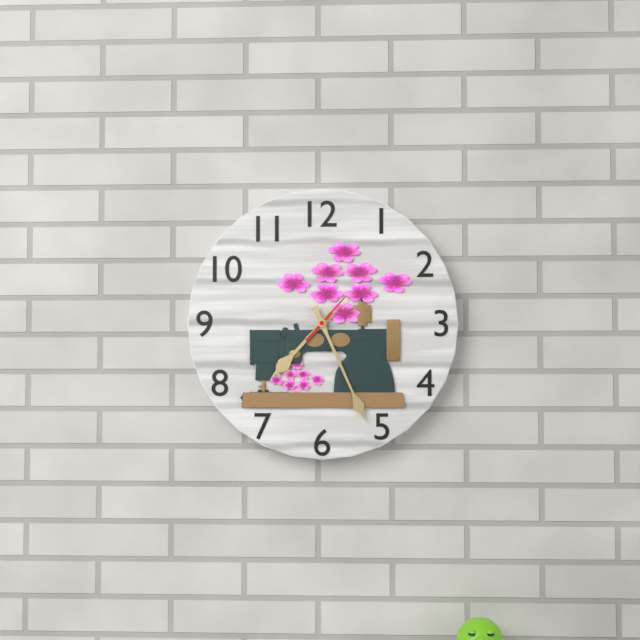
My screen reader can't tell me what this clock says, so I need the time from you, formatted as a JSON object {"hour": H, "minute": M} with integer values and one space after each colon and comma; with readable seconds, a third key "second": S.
{"hour": 7, "minute": 26}
